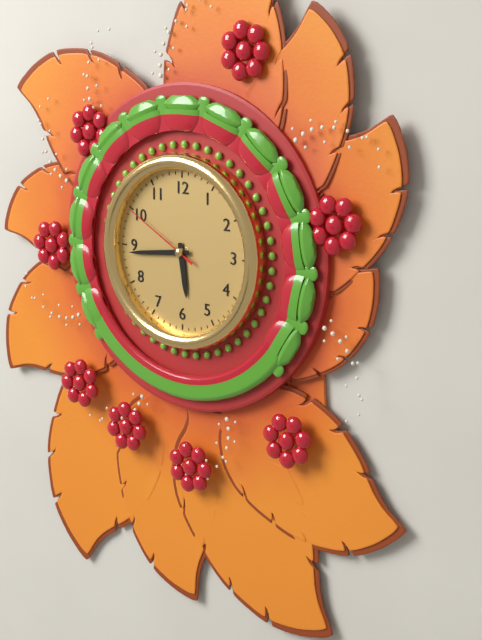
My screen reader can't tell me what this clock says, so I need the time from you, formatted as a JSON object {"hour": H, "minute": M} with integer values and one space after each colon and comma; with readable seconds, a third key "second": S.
{"hour": 5, "minute": 44, "second": 50}
